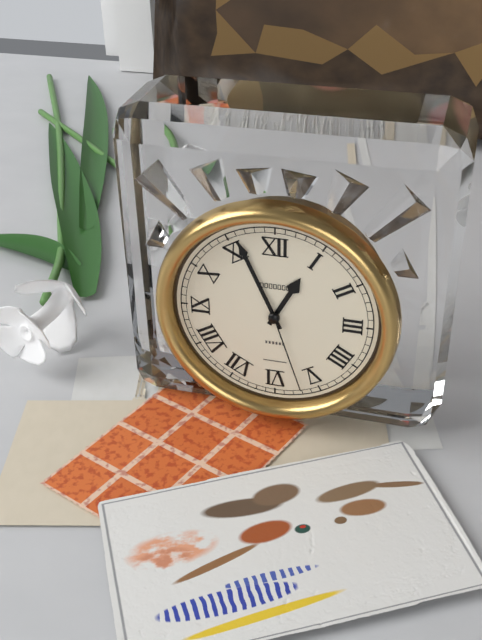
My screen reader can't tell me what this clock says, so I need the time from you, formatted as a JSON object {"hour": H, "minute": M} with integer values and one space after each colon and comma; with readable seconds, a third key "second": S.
{"hour": 12, "minute": 56, "second": 27}
